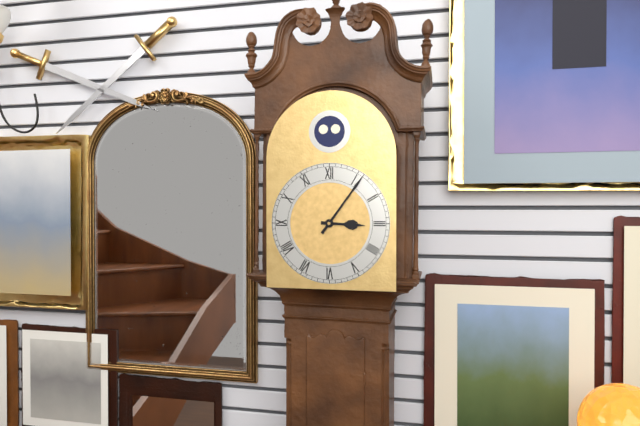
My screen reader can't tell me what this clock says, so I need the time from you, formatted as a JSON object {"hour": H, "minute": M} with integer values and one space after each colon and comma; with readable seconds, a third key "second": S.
{"hour": 3, "minute": 6}
